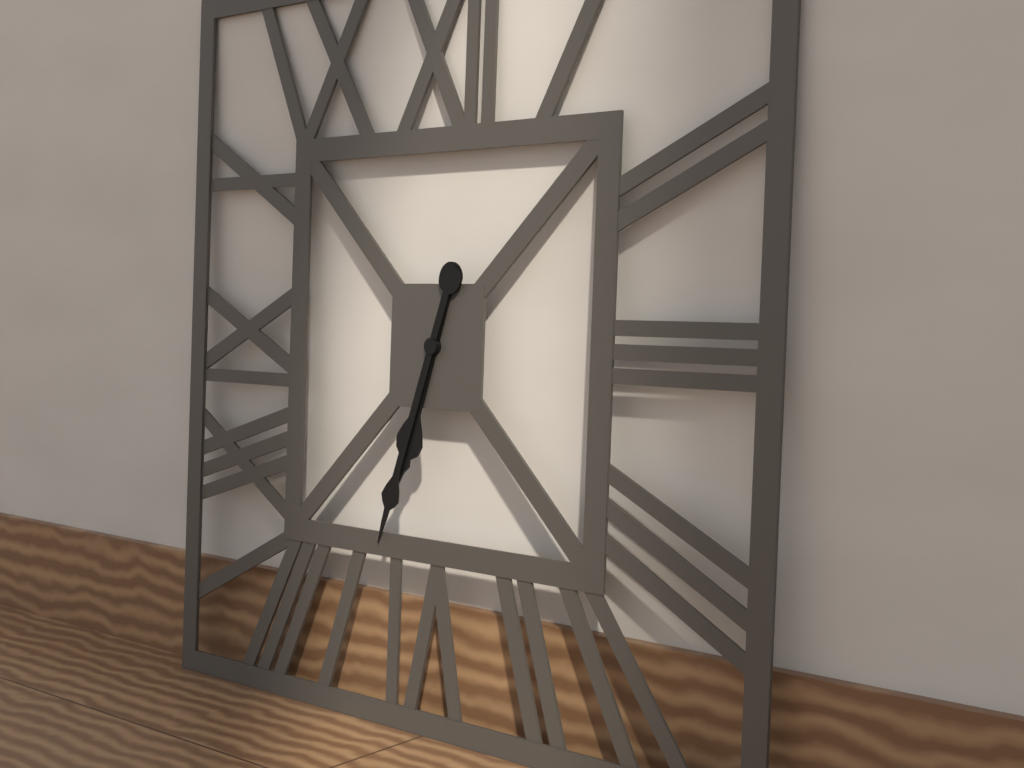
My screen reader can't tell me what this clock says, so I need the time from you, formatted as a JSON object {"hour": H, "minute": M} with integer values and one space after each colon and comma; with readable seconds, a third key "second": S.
{"hour": 6, "minute": 33}
